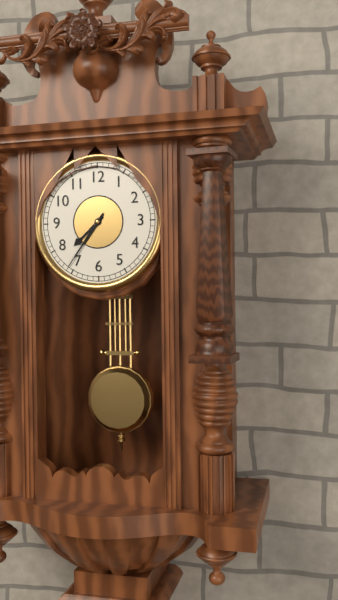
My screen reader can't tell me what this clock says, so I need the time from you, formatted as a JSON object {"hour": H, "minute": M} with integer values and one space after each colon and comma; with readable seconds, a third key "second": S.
{"hour": 7, "minute": 36}
